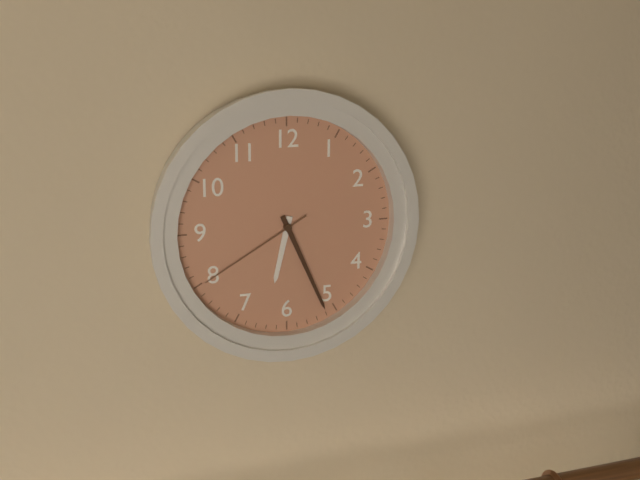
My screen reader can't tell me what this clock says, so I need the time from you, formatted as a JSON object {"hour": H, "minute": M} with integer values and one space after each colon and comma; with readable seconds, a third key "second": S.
{"hour": 6, "minute": 26, "second": 40}
